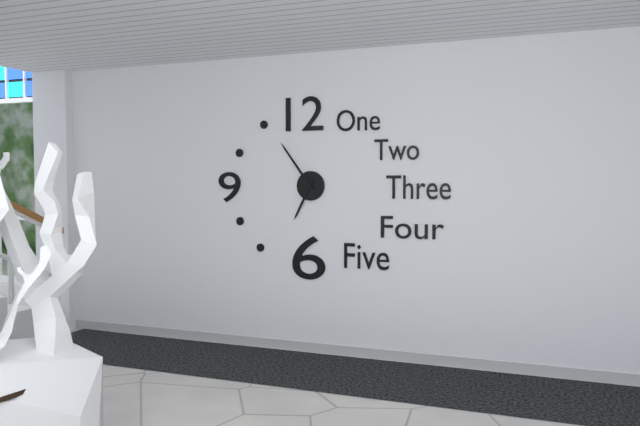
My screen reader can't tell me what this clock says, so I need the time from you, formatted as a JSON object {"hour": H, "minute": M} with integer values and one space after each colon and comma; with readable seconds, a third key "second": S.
{"hour": 6, "minute": 54}
